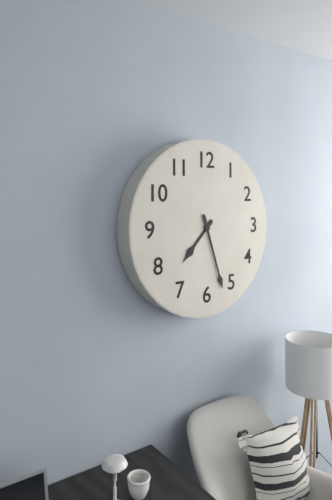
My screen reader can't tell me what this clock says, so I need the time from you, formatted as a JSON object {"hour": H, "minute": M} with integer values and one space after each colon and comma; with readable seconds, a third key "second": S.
{"hour": 7, "minute": 27}
